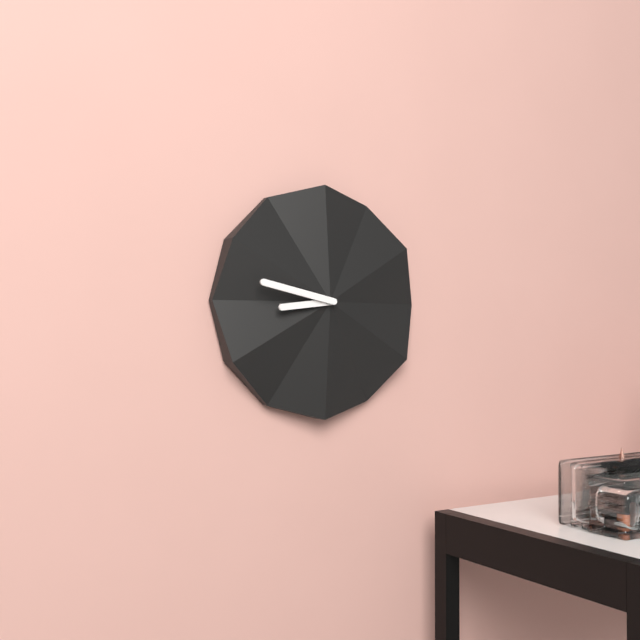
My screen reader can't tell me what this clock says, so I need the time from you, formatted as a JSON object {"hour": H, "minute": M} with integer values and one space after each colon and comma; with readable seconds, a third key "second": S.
{"hour": 8, "minute": 47}
